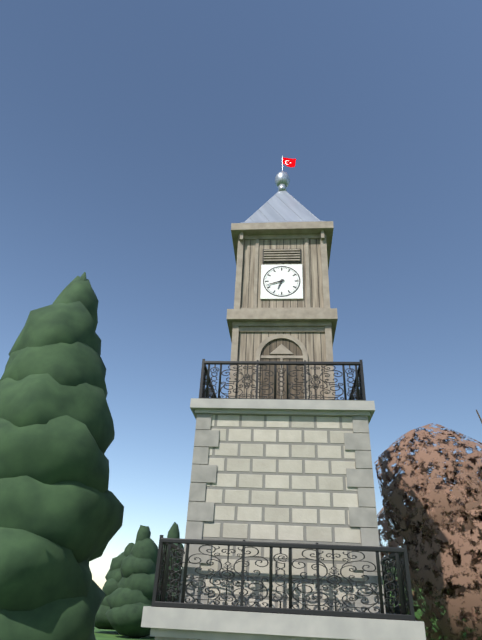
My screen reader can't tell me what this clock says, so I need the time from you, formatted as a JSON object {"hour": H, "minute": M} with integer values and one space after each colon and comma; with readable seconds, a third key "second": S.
{"hour": 6, "minute": 42}
